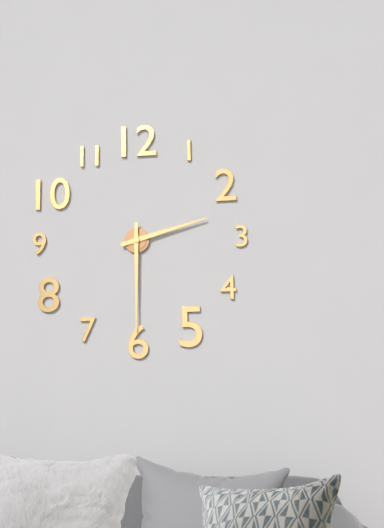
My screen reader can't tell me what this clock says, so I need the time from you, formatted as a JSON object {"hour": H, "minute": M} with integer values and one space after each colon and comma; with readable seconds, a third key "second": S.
{"hour": 2, "minute": 30}
